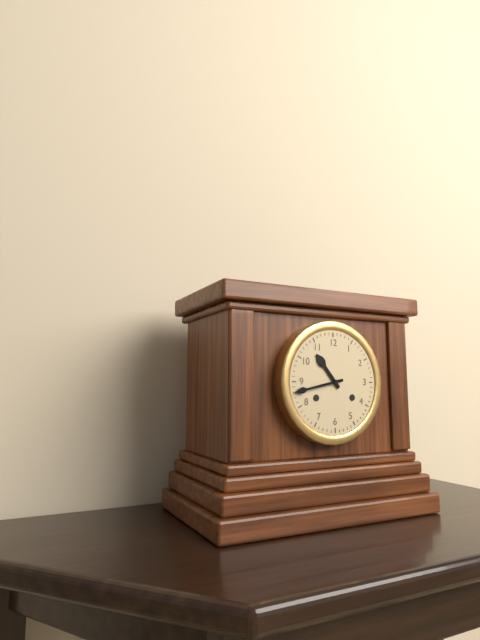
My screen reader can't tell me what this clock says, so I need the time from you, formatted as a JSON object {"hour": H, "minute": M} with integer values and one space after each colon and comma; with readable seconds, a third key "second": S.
{"hour": 10, "minute": 43}
